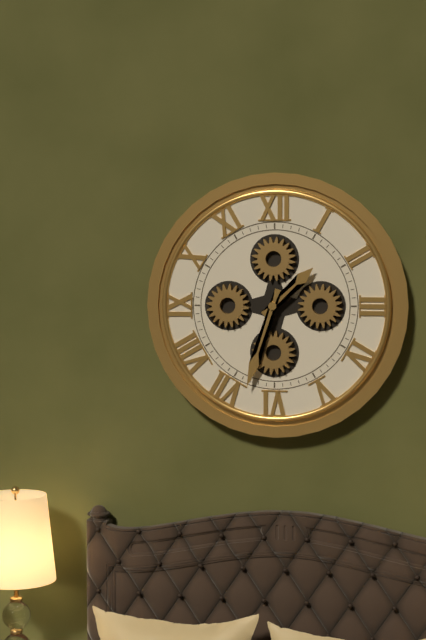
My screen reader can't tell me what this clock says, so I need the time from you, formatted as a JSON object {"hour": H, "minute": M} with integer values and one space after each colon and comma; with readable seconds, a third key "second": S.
{"hour": 1, "minute": 33}
